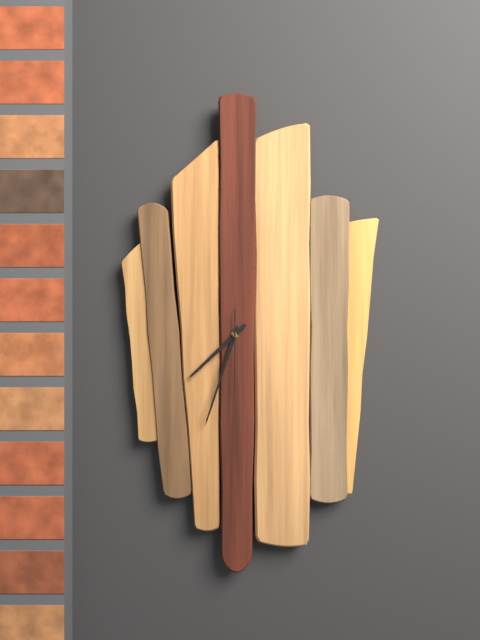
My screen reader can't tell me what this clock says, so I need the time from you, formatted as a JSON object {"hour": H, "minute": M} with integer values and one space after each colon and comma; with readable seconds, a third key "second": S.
{"hour": 7, "minute": 33, "second": 30}
